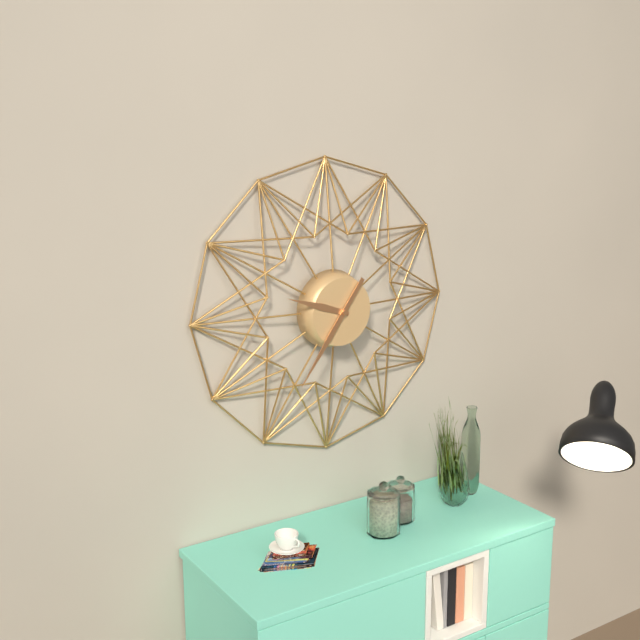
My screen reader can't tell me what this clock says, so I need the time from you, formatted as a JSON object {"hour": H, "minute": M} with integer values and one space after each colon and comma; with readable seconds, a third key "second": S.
{"hour": 9, "minute": 36}
